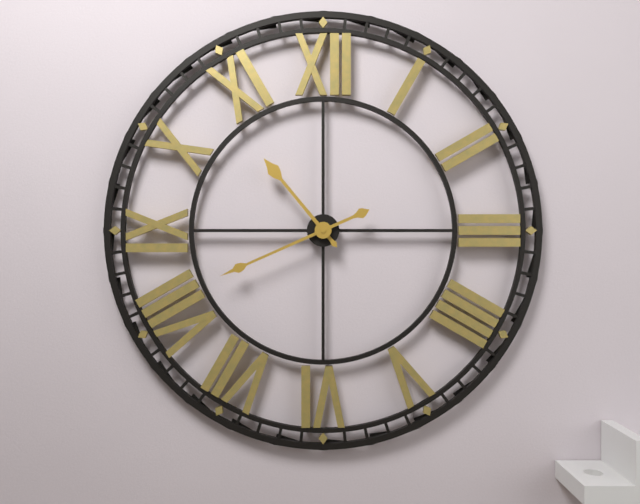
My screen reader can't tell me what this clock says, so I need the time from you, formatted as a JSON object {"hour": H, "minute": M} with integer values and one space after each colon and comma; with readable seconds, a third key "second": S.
{"hour": 10, "minute": 41}
